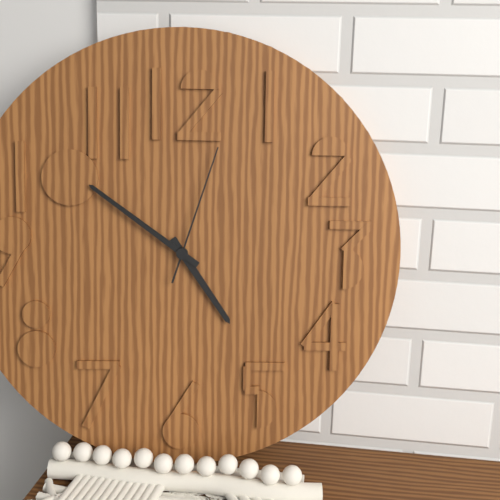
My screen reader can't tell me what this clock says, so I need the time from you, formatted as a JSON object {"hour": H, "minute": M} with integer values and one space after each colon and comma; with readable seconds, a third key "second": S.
{"hour": 4, "minute": 51, "second": 3}
